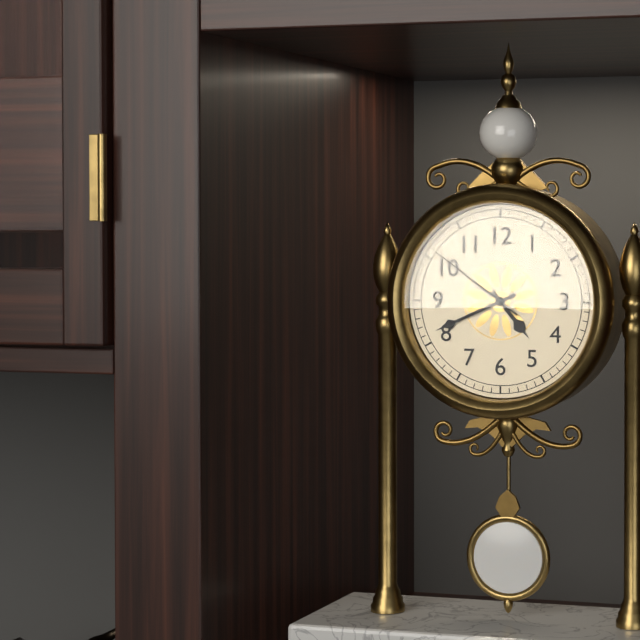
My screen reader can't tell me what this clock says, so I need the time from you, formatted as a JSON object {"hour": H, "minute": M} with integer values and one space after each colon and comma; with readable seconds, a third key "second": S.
{"hour": 4, "minute": 41, "second": 51}
